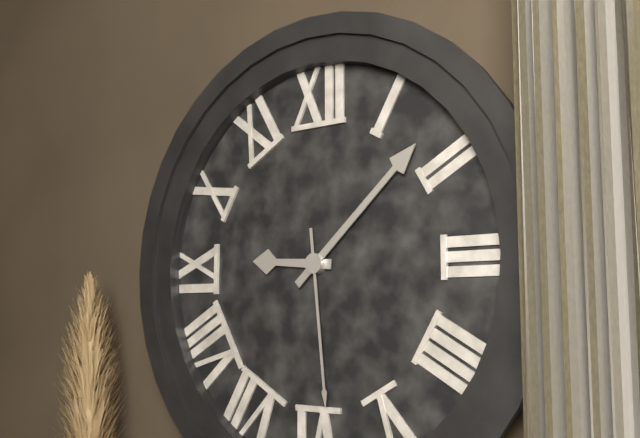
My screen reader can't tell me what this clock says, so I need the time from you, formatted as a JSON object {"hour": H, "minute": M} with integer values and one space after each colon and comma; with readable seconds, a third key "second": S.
{"hour": 9, "minute": 8, "second": 29}
